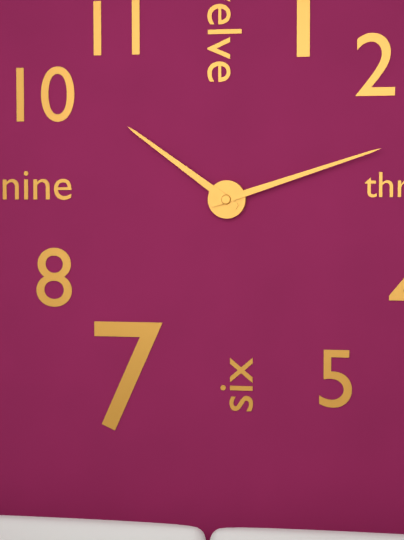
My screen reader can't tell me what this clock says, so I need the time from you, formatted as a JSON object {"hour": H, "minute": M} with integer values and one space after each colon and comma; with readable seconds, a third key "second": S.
{"hour": 10, "minute": 12}
